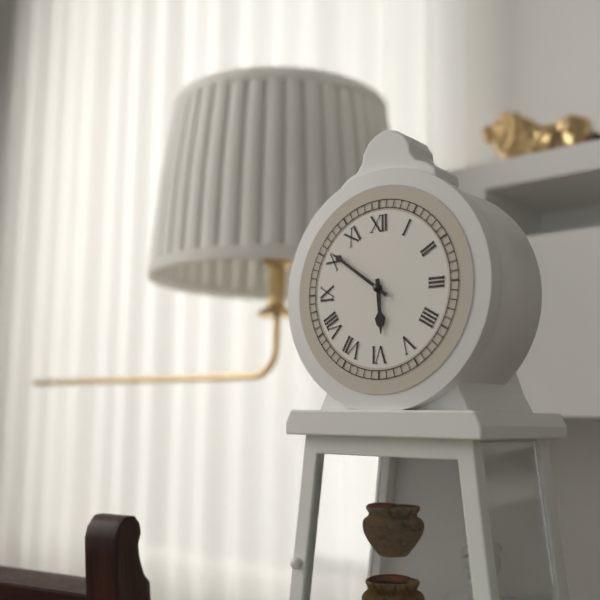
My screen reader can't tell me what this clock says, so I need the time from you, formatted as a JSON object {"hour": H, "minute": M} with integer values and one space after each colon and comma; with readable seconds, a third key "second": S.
{"hour": 5, "minute": 51}
